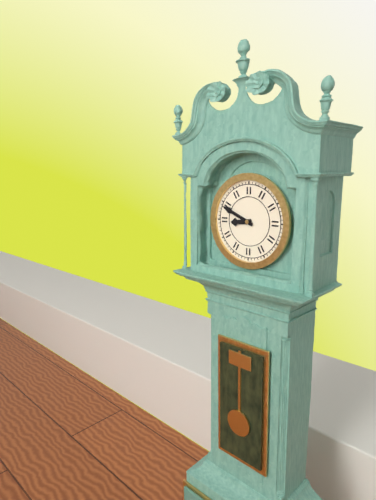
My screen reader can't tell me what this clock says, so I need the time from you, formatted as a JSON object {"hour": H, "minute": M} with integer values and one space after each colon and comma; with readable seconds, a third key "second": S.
{"hour": 8, "minute": 49}
